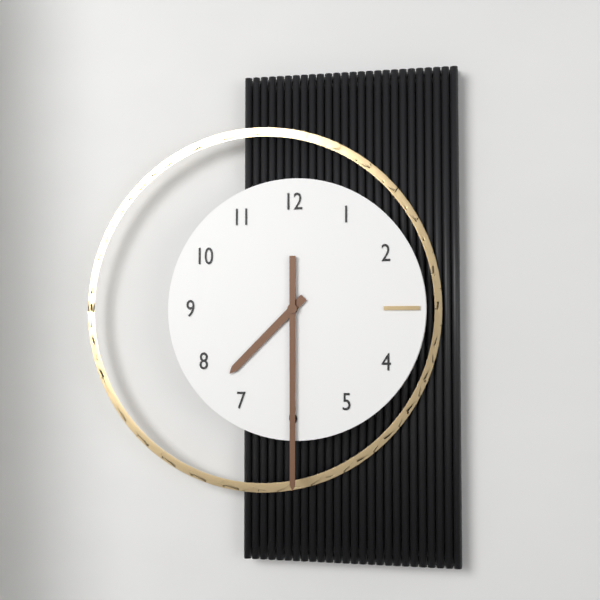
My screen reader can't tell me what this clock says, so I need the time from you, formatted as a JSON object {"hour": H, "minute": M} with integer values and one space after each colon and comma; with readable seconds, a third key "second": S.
{"hour": 7, "minute": 30}
